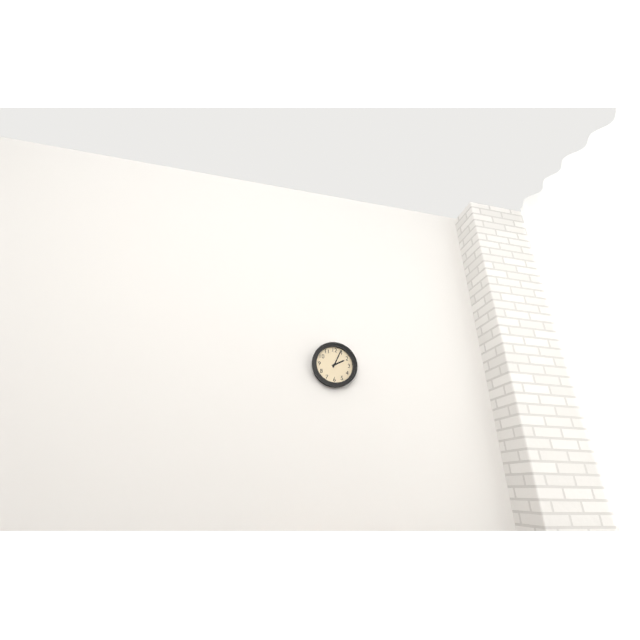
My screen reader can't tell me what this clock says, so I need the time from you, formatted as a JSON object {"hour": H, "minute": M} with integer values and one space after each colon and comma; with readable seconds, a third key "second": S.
{"hour": 2, "minute": 4}
